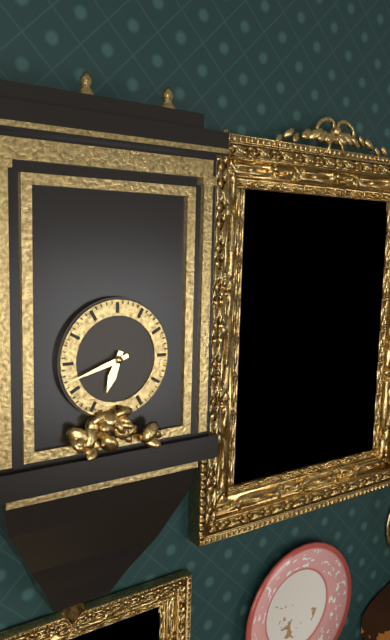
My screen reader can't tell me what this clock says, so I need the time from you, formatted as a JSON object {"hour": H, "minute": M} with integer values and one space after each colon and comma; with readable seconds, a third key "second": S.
{"hour": 6, "minute": 42}
